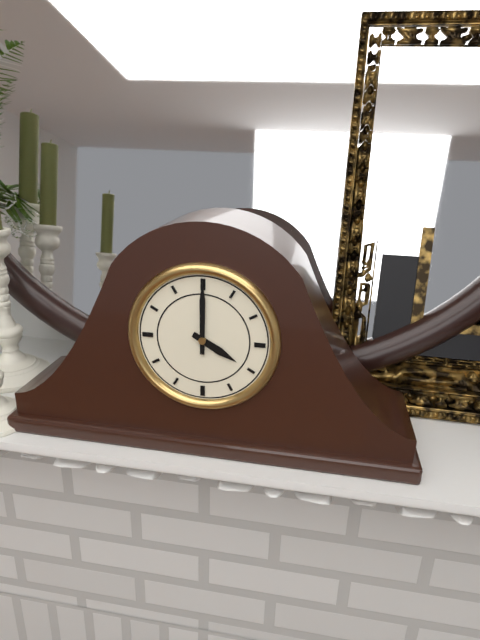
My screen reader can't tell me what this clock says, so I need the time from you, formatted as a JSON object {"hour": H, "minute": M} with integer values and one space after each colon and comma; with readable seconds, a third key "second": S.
{"hour": 4, "minute": 0}
